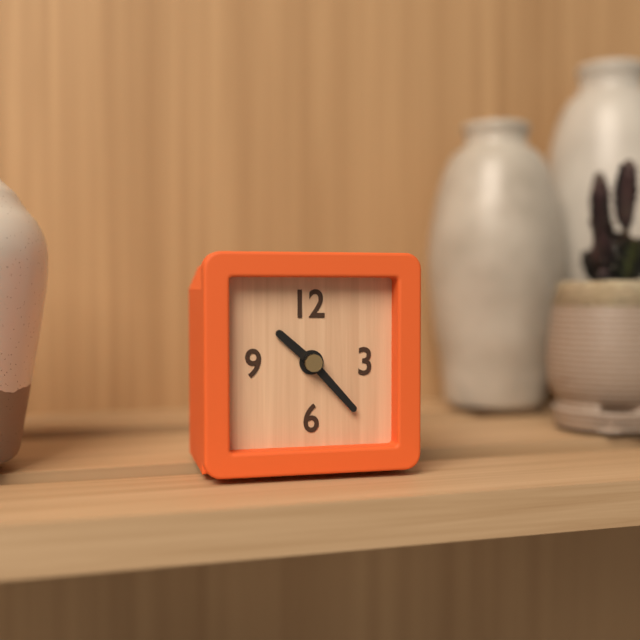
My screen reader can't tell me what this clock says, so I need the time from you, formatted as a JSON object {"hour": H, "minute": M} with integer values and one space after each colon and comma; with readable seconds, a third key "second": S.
{"hour": 10, "minute": 23}
